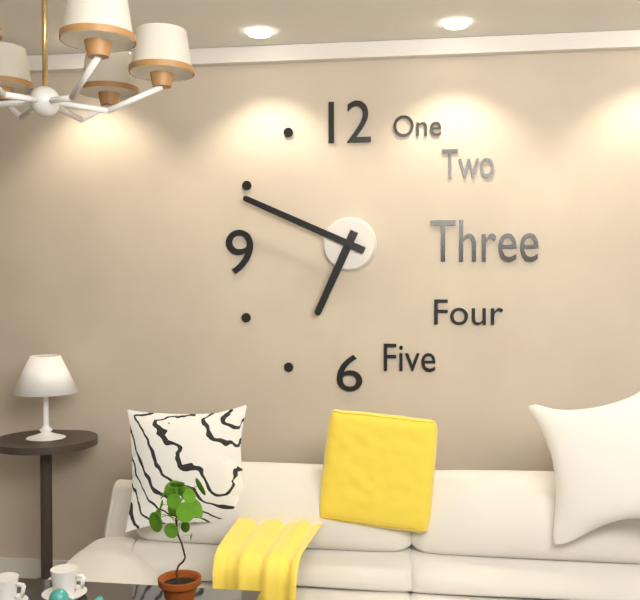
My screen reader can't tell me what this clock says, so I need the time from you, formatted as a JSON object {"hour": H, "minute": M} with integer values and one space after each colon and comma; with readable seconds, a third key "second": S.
{"hour": 6, "minute": 49}
